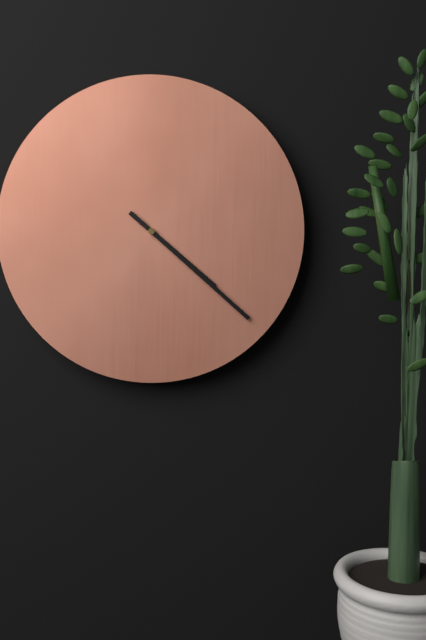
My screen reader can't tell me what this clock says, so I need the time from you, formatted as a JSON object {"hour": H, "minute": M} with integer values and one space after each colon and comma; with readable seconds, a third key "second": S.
{"hour": 4, "minute": 22}
